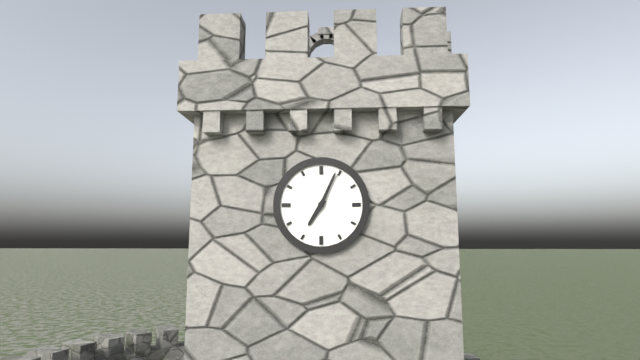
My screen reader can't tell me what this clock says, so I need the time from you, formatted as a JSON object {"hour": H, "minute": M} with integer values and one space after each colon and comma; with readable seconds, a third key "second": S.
{"hour": 7, "minute": 4}
